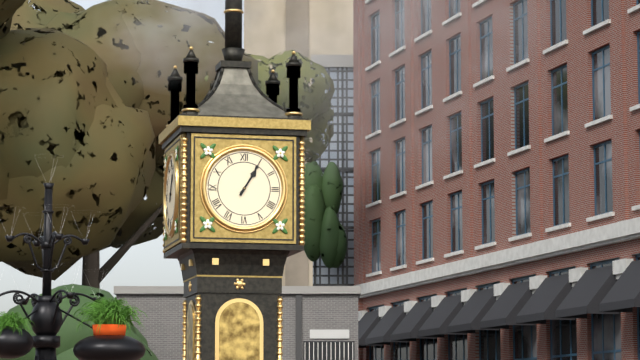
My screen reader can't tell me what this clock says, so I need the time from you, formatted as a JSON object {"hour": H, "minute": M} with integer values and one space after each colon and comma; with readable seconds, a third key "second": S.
{"hour": 1, "minute": 5}
